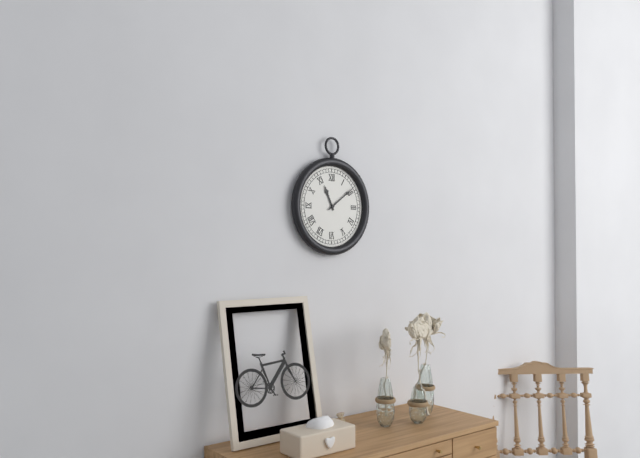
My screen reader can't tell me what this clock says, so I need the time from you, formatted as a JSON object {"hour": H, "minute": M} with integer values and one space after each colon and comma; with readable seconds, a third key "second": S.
{"hour": 11, "minute": 9}
